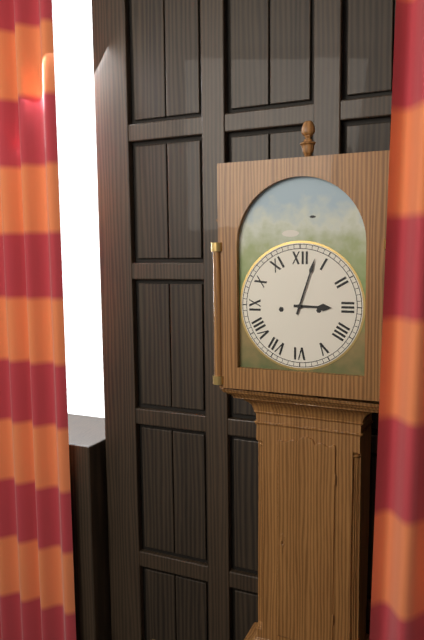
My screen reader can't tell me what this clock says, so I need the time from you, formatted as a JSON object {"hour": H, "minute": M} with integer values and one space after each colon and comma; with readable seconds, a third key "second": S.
{"hour": 3, "minute": 3}
